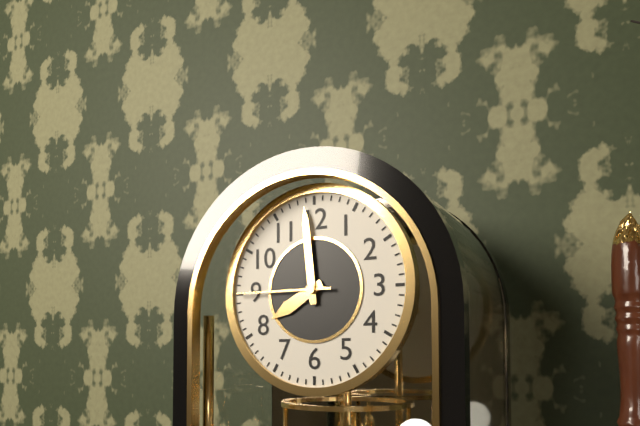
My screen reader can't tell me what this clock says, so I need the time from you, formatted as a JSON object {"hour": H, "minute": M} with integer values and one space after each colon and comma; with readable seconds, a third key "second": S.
{"hour": 7, "minute": 59, "second": 45}
